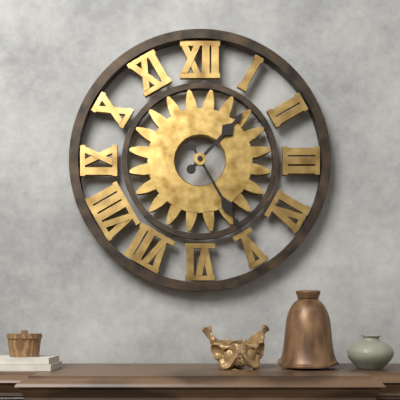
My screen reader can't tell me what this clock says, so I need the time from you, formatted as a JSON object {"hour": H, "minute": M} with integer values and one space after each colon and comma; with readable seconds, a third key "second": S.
{"hour": 1, "minute": 25}
